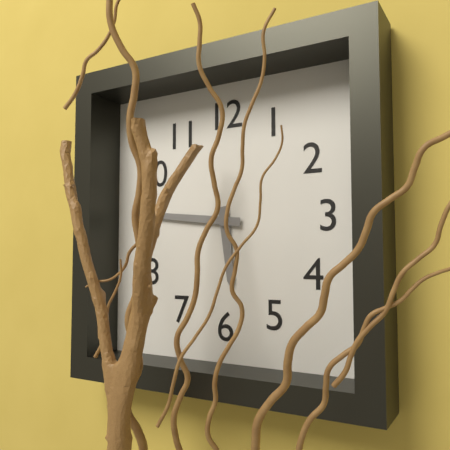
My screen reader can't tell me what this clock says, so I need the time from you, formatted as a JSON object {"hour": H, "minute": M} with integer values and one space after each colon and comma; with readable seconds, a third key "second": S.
{"hour": 5, "minute": 46}
